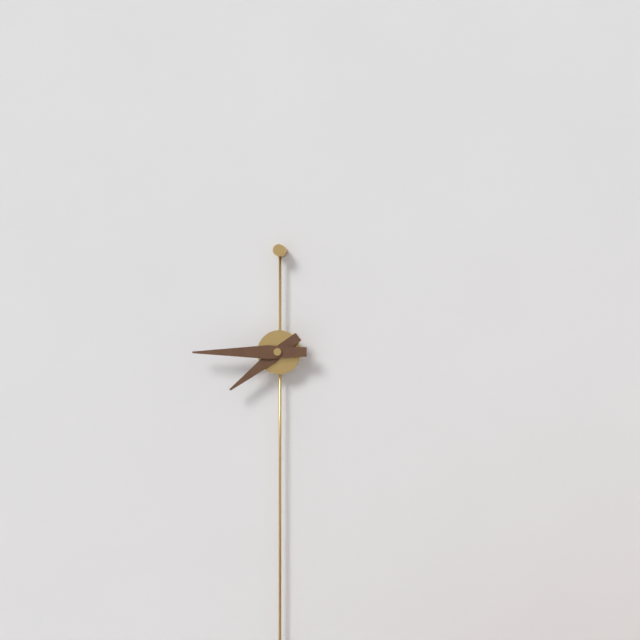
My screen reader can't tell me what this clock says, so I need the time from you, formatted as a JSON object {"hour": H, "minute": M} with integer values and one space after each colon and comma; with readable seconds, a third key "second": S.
{"hour": 7, "minute": 45}
